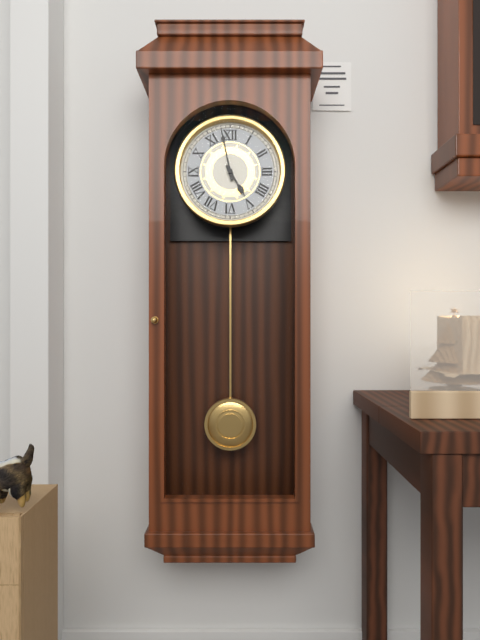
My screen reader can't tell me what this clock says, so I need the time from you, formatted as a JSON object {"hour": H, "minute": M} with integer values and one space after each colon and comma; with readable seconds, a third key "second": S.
{"hour": 4, "minute": 58}
